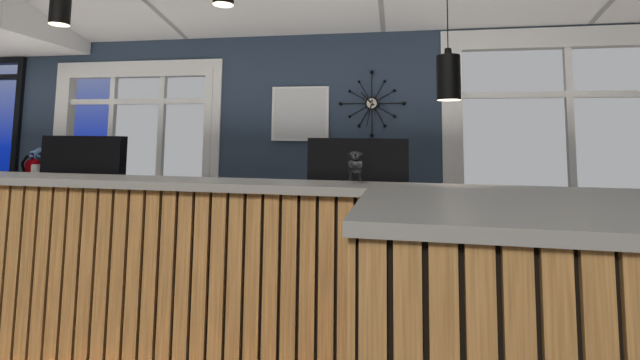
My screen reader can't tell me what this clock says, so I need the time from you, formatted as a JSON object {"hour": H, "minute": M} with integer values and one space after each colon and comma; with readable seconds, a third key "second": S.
{"hour": 10, "minute": 32}
